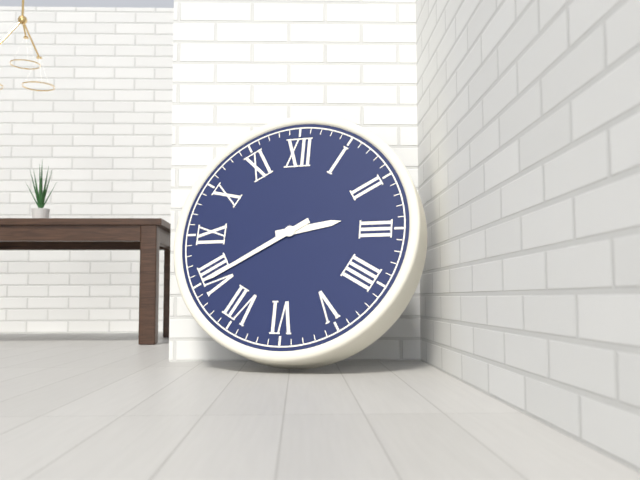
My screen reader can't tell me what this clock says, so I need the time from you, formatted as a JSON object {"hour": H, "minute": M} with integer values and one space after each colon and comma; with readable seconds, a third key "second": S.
{"hour": 2, "minute": 40}
